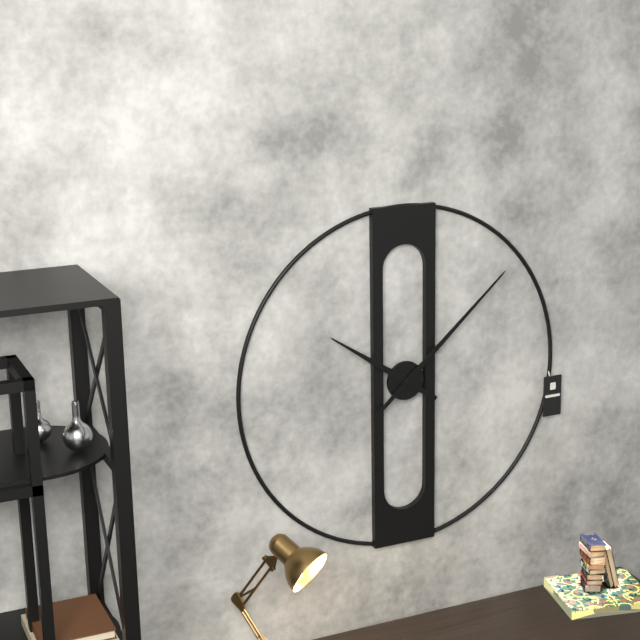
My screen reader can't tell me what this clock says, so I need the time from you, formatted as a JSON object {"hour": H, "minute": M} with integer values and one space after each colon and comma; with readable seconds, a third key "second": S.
{"hour": 10, "minute": 8}
